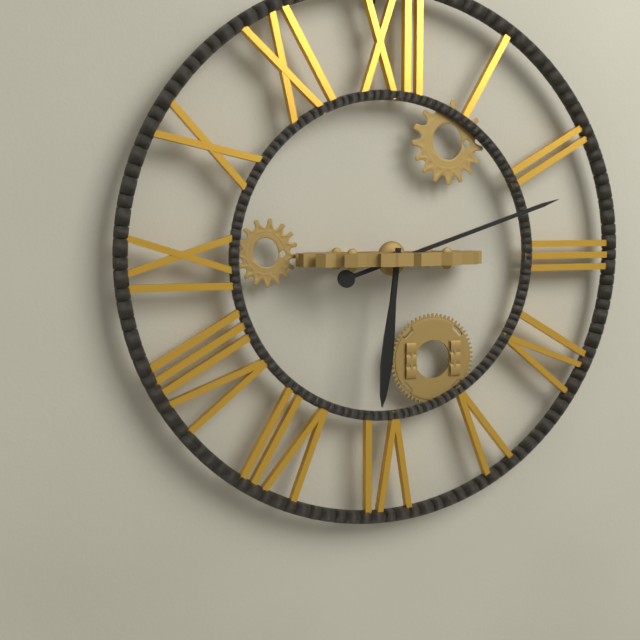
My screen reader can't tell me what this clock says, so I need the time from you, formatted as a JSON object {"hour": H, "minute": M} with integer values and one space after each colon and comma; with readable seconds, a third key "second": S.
{"hour": 6, "minute": 12}
